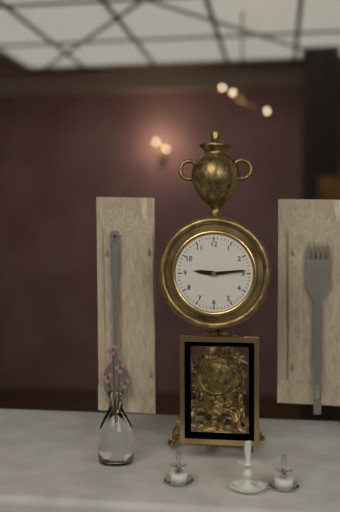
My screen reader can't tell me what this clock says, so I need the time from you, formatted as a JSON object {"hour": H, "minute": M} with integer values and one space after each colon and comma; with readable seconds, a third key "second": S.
{"hour": 9, "minute": 14}
